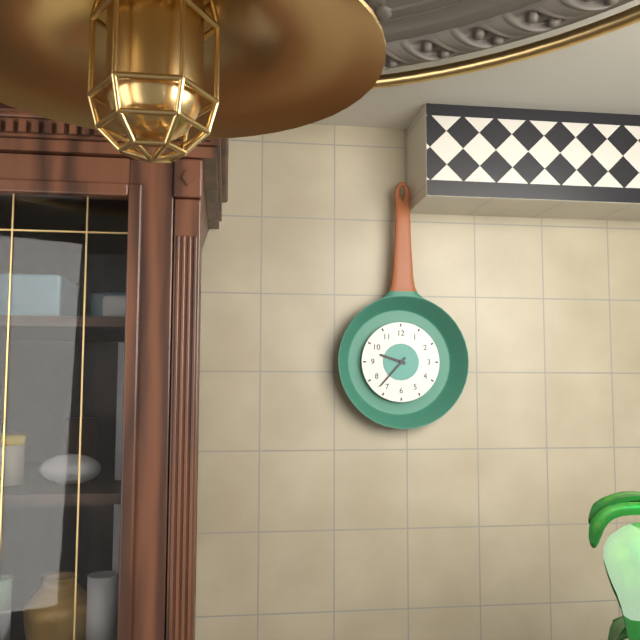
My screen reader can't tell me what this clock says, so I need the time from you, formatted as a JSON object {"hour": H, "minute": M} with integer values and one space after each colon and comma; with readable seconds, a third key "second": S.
{"hour": 9, "minute": 37}
